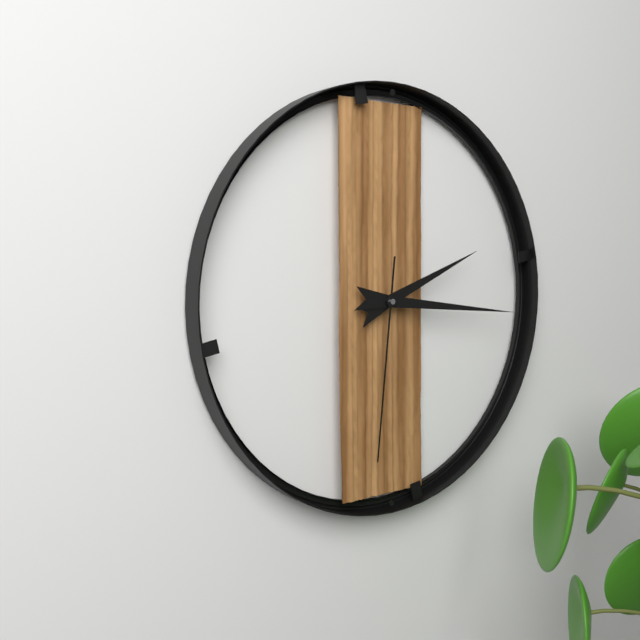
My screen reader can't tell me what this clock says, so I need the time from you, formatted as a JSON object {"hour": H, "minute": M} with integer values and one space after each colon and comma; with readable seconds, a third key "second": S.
{"hour": 2, "minute": 16, "second": 31}
